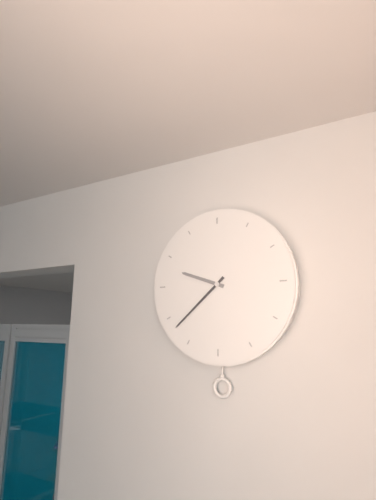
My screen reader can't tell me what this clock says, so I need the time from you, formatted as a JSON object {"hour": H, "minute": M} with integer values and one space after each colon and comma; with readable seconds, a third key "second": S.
{"hour": 9, "minute": 38}
